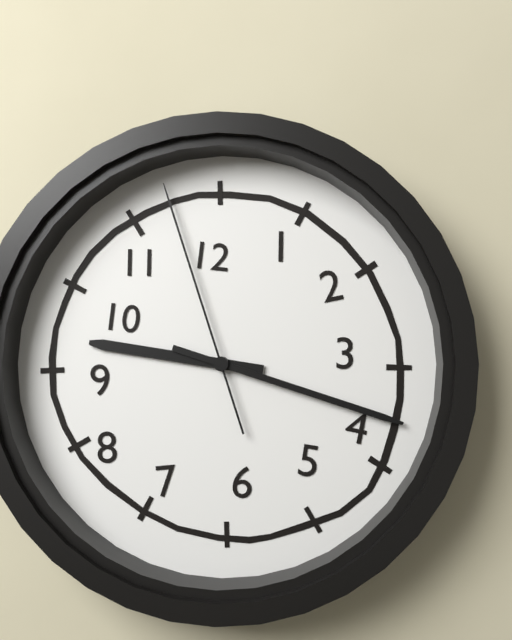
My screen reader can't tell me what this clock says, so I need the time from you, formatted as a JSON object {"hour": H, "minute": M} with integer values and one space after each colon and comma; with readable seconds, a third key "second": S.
{"hour": 9, "minute": 18, "second": 57}
